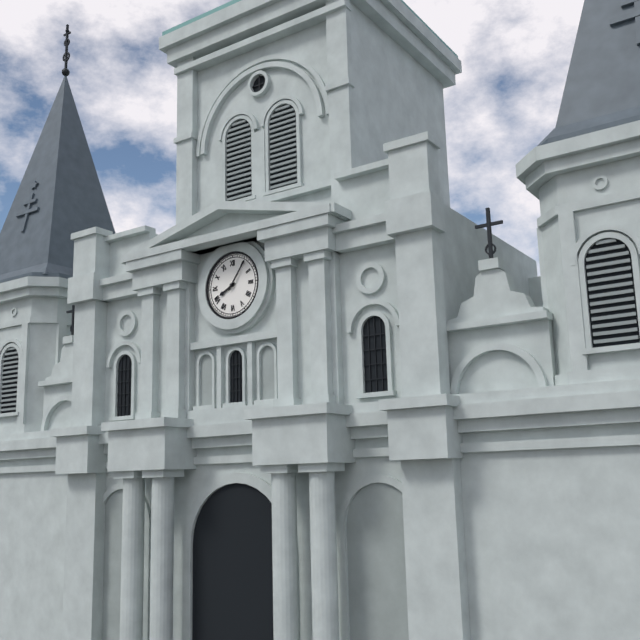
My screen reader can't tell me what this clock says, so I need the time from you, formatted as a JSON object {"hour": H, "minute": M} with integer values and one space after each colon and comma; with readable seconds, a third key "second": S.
{"hour": 8, "minute": 6}
